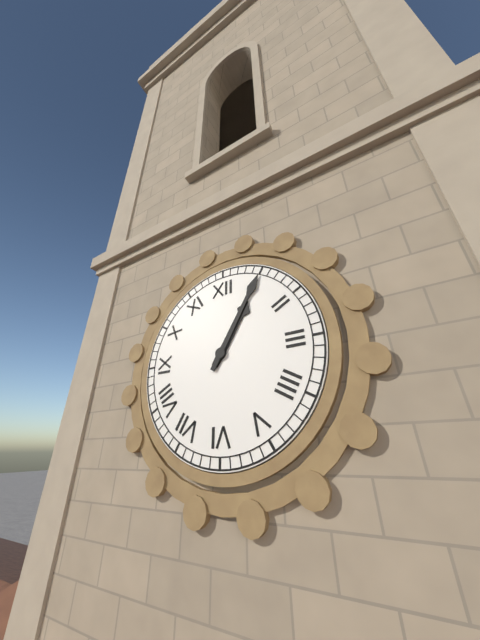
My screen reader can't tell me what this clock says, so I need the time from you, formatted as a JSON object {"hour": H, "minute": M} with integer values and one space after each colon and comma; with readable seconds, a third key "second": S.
{"hour": 1, "minute": 5}
